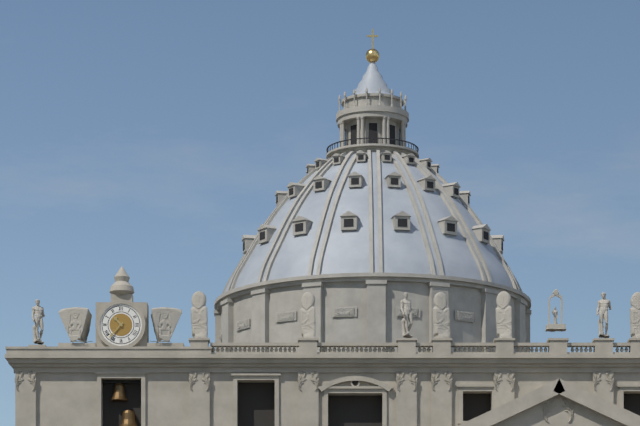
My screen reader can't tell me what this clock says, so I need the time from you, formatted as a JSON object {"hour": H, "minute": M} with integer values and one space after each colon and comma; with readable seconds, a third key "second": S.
{"hour": 10, "minute": 37}
